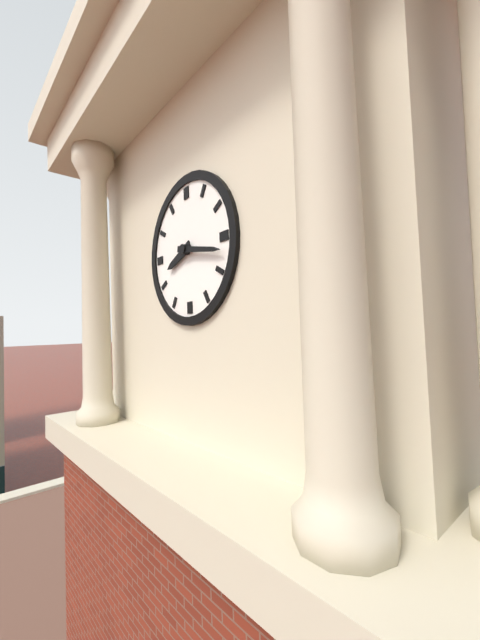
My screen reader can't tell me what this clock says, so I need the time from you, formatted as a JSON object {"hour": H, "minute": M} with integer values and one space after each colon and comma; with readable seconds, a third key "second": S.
{"hour": 8, "minute": 17}
